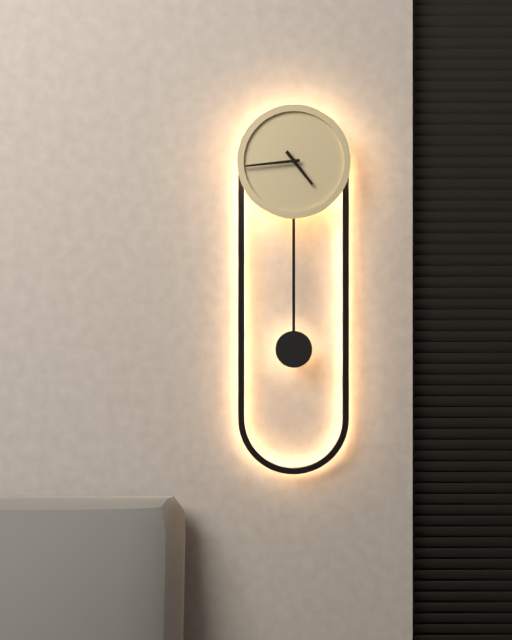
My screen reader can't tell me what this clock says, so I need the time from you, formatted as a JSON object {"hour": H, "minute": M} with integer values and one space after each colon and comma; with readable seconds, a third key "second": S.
{"hour": 4, "minute": 44}
